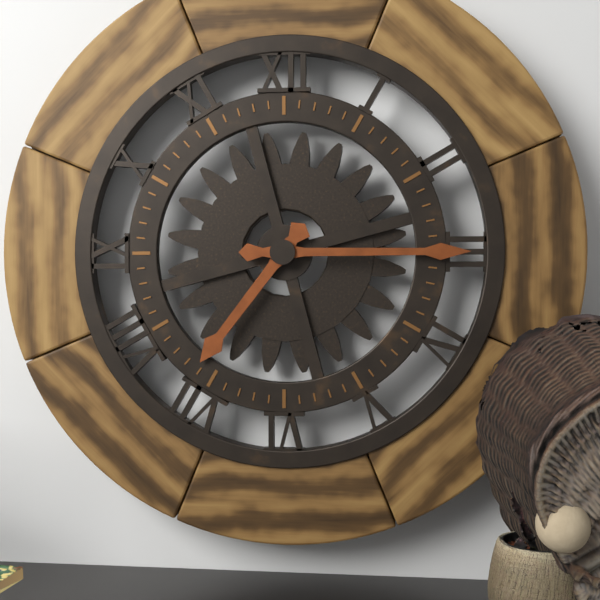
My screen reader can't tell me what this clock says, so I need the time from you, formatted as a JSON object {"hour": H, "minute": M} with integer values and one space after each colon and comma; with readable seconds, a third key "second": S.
{"hour": 7, "minute": 15}
